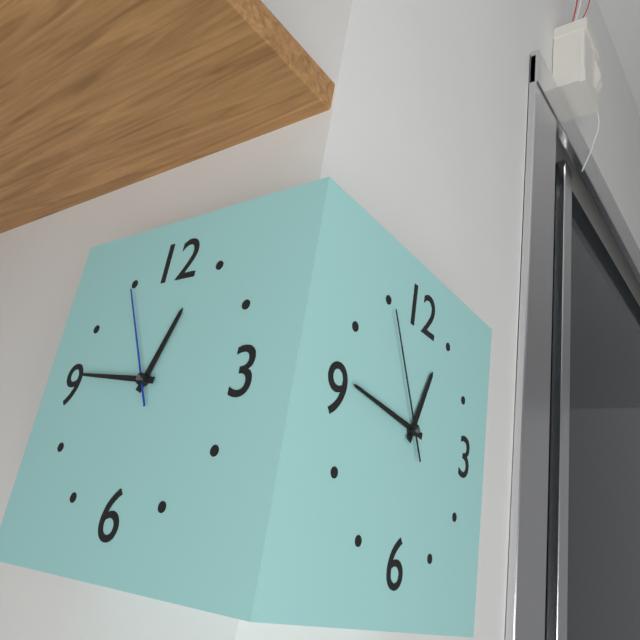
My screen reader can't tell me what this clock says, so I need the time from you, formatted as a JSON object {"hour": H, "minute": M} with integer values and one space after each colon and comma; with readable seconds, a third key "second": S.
{"hour": 12, "minute": 46, "second": 55}
